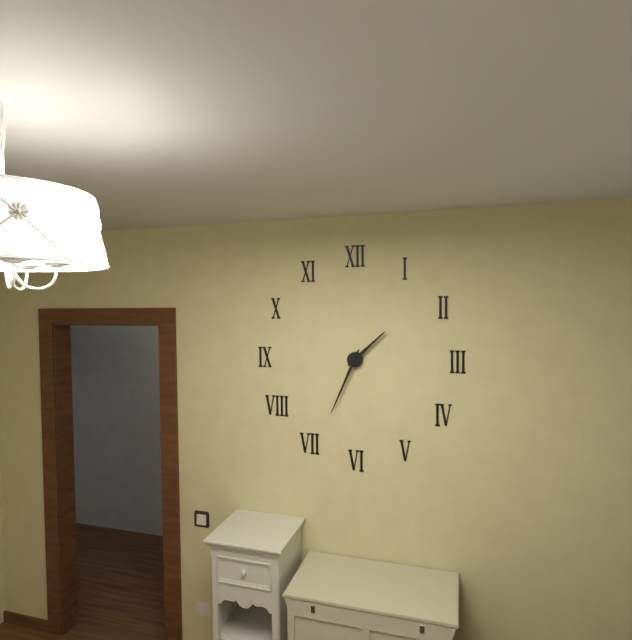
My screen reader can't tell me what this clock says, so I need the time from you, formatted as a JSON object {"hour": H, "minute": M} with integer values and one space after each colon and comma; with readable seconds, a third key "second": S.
{"hour": 1, "minute": 34}
